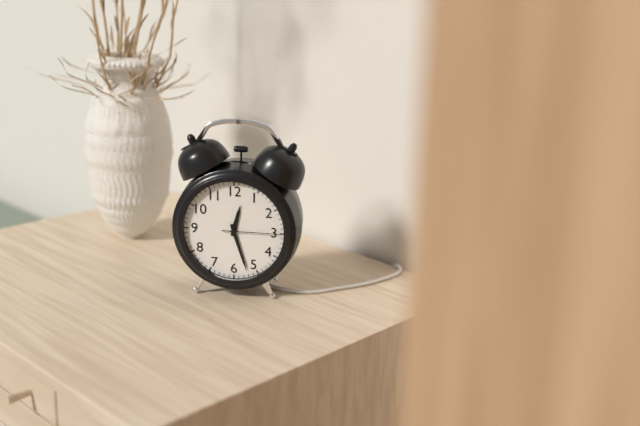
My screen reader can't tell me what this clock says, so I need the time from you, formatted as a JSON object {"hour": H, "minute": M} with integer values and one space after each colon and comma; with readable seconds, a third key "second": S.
{"hour": 12, "minute": 27, "second": 15}
